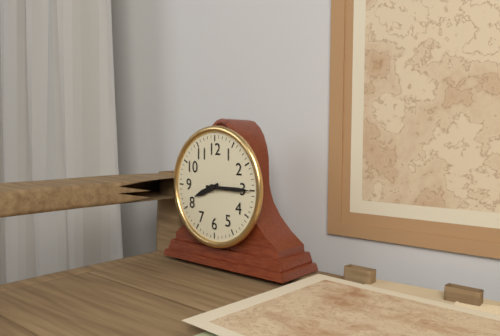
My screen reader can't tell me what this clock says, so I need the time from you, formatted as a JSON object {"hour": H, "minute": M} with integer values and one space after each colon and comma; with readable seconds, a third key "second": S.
{"hour": 8, "minute": 15}
